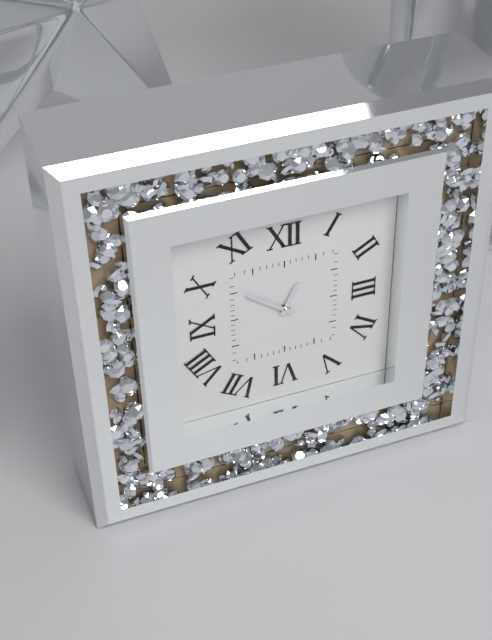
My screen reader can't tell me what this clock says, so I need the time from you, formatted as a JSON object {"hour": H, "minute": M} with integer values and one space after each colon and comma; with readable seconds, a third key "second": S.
{"hour": 12, "minute": 51}
